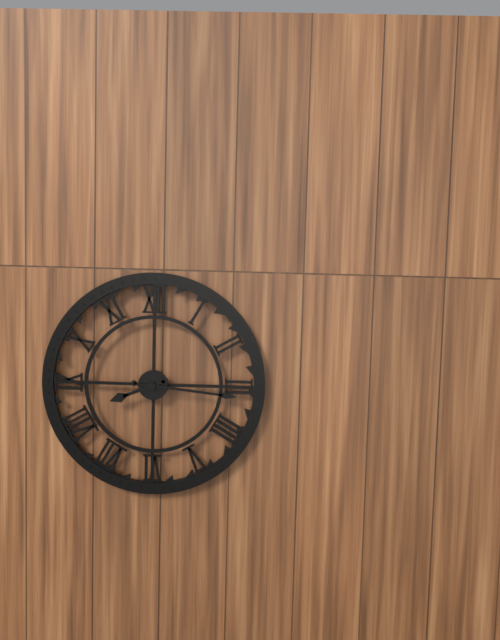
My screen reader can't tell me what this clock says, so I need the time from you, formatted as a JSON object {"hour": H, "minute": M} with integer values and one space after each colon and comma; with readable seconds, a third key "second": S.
{"hour": 8, "minute": 16}
